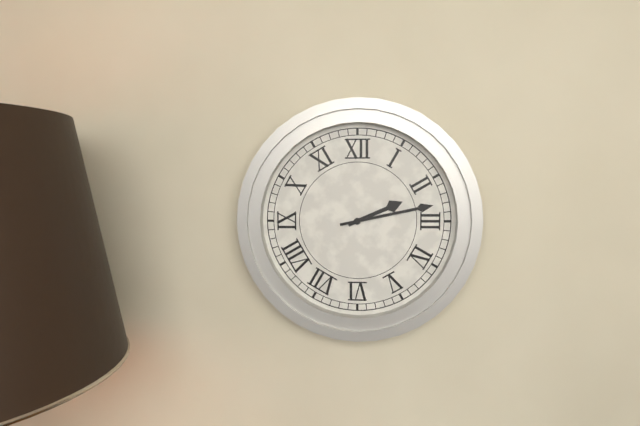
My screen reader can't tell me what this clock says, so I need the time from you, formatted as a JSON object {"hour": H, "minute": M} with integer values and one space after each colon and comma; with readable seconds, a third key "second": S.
{"hour": 2, "minute": 13}
